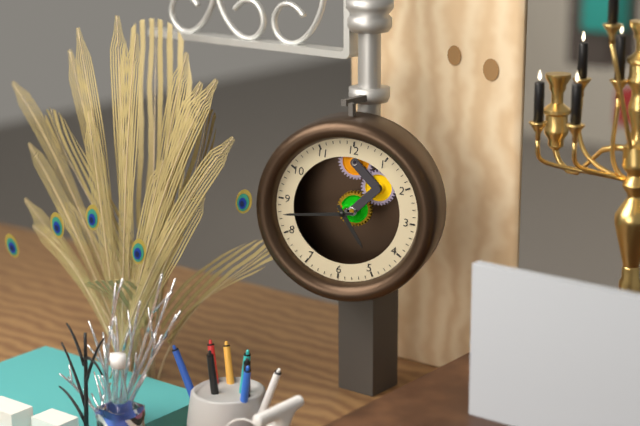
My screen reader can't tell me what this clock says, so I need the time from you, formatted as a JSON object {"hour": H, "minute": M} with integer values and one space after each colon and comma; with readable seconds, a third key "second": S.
{"hour": 4, "minute": 43}
